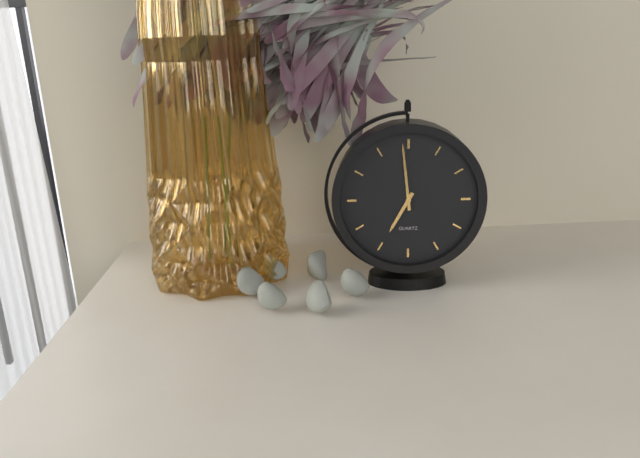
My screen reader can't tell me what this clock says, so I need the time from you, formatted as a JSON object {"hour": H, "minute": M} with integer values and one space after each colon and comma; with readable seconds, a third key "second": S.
{"hour": 6, "minute": 59}
